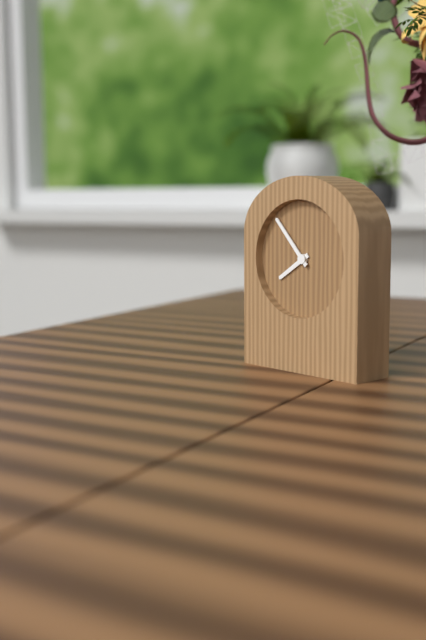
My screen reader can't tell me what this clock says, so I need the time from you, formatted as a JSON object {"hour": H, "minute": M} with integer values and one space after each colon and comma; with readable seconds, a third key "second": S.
{"hour": 7, "minute": 53}
